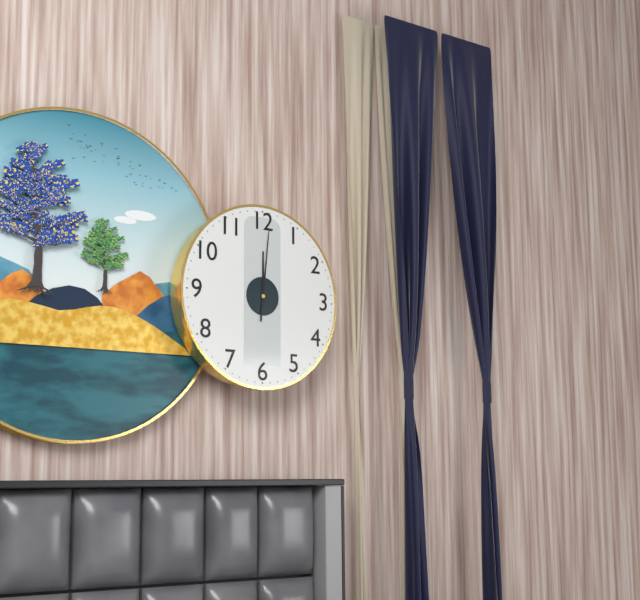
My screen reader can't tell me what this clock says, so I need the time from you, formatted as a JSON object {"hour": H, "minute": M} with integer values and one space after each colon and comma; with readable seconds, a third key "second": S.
{"hour": 12, "minute": 1}
